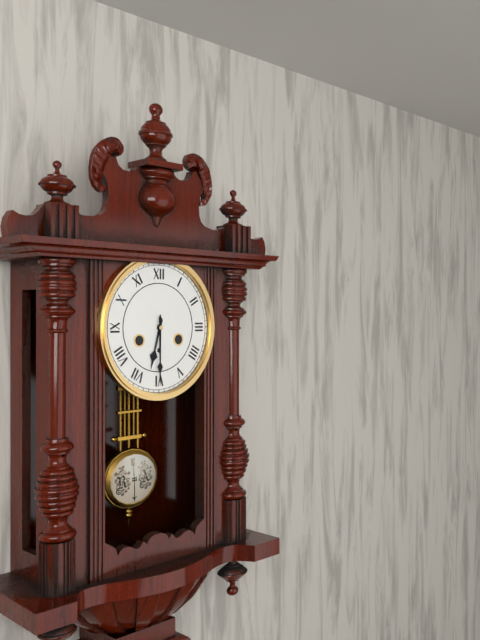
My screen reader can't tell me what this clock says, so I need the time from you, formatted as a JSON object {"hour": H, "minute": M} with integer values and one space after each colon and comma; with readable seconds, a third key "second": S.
{"hour": 6, "minute": 30}
